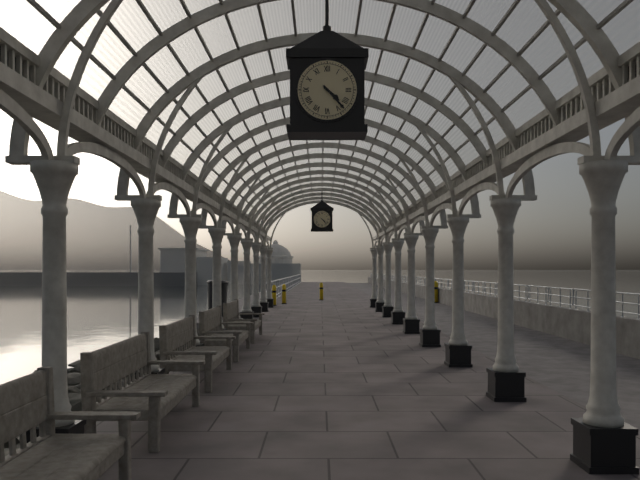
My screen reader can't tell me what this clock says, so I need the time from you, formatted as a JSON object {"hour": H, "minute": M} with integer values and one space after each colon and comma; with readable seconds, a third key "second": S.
{"hour": 4, "minute": 23}
